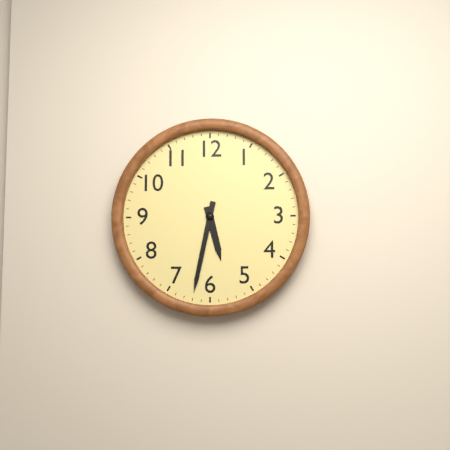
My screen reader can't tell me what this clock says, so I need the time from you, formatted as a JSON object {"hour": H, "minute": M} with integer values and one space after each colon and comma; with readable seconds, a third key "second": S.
{"hour": 5, "minute": 32}
